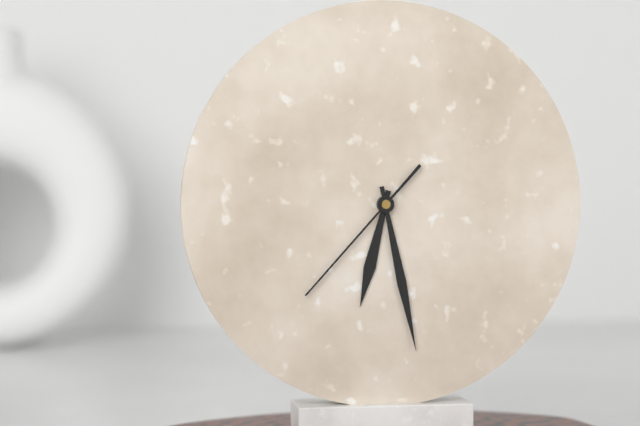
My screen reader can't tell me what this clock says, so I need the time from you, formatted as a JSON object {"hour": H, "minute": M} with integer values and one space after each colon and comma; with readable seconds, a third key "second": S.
{"hour": 6, "minute": 28, "second": 37}
